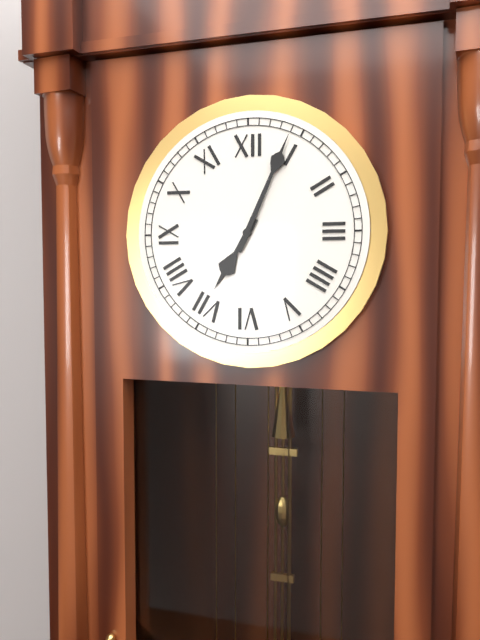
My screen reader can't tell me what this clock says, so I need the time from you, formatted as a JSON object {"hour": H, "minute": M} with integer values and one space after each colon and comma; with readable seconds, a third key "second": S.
{"hour": 7, "minute": 4}
